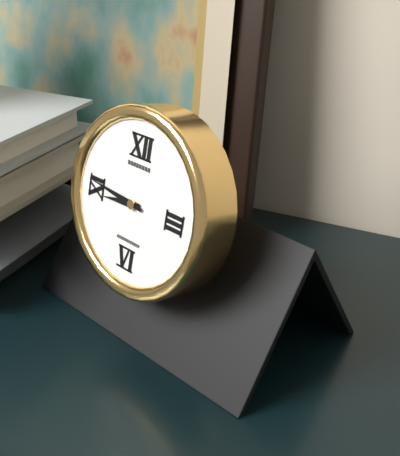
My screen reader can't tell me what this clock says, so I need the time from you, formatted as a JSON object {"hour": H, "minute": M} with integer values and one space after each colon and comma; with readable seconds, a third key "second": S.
{"hour": 8, "minute": 46}
